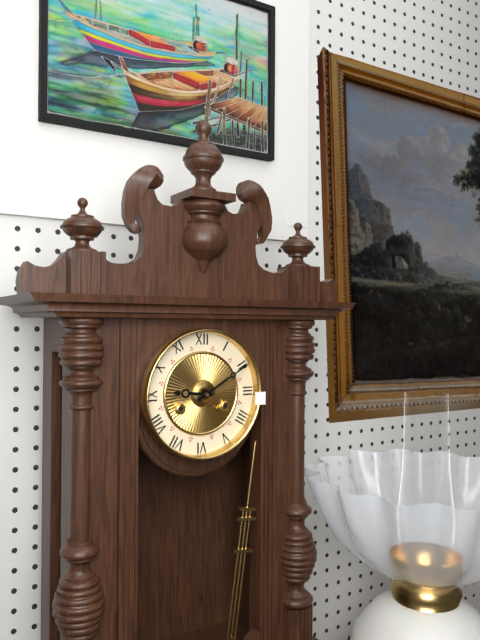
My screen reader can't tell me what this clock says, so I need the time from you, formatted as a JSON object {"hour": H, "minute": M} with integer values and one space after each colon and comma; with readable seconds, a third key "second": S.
{"hour": 9, "minute": 10}
